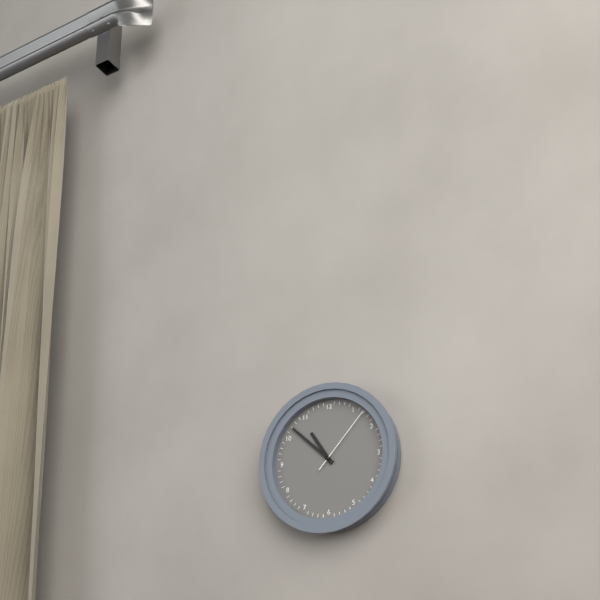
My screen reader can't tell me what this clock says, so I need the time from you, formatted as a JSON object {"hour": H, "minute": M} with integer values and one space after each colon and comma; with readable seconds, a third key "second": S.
{"hour": 10, "minute": 52, "second": 7}
